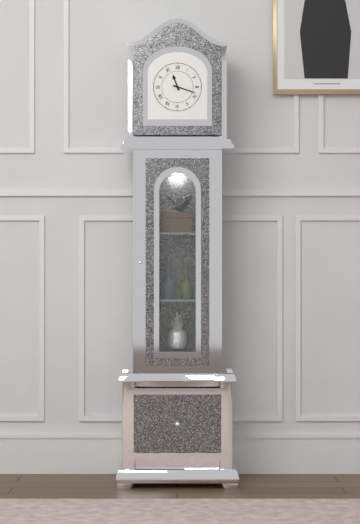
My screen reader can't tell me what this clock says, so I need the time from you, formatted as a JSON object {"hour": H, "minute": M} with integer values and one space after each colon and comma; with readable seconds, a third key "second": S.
{"hour": 11, "minute": 18}
